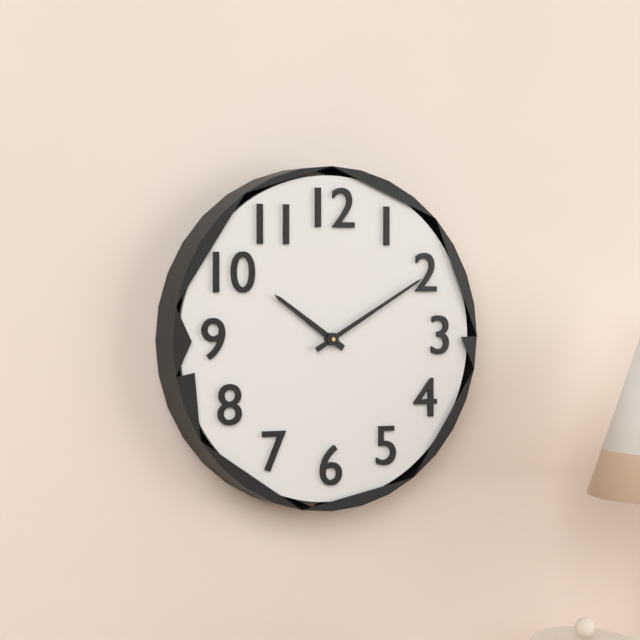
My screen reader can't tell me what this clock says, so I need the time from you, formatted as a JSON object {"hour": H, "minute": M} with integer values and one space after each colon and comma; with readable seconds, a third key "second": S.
{"hour": 10, "minute": 10}
